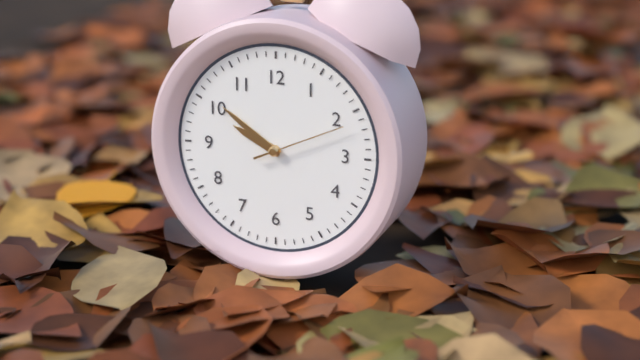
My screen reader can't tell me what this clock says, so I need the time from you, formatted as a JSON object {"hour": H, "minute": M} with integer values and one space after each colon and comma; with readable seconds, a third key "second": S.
{"hour": 9, "minute": 51, "second": 11}
